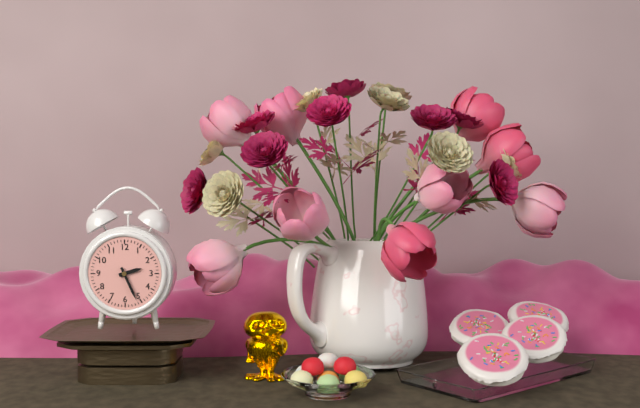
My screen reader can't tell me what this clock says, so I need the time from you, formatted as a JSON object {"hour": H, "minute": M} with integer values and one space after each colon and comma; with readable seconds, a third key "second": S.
{"hour": 2, "minute": 26}
